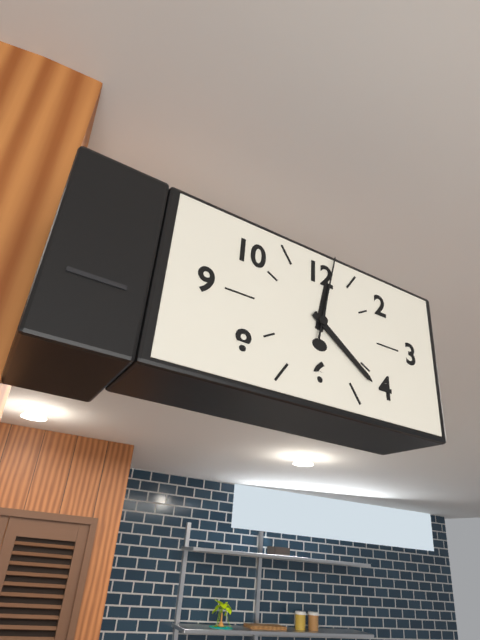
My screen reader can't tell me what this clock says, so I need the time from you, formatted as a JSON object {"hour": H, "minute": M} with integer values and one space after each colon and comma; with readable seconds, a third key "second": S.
{"hour": 12, "minute": 21, "second": 2}
